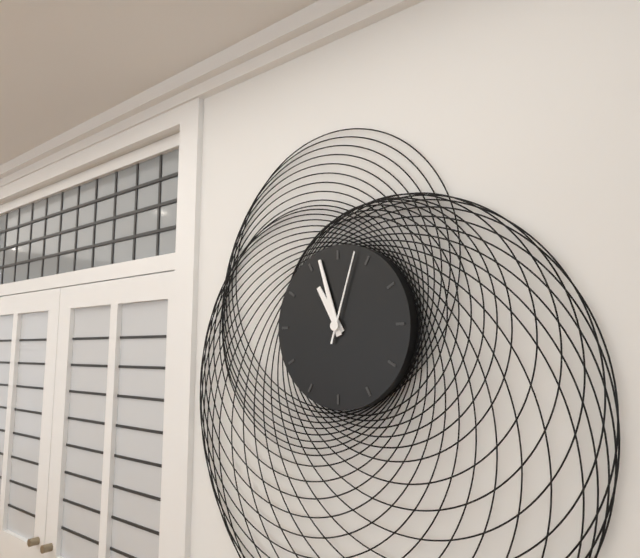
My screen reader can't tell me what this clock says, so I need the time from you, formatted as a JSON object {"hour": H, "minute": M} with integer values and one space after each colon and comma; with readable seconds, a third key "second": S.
{"hour": 10, "minute": 57, "second": 3}
